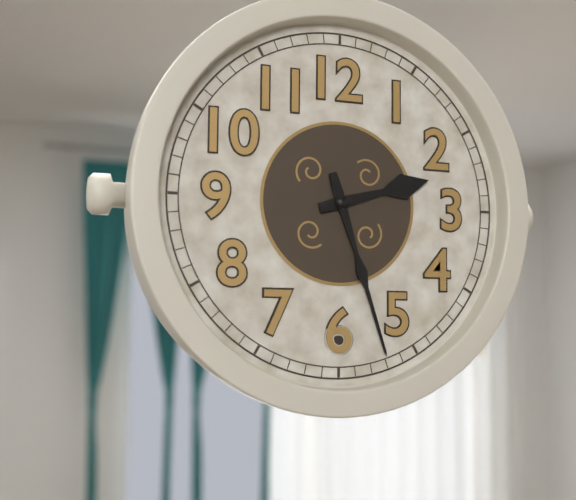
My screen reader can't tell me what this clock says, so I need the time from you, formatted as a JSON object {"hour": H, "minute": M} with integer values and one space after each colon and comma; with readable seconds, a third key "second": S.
{"hour": 2, "minute": 27}
